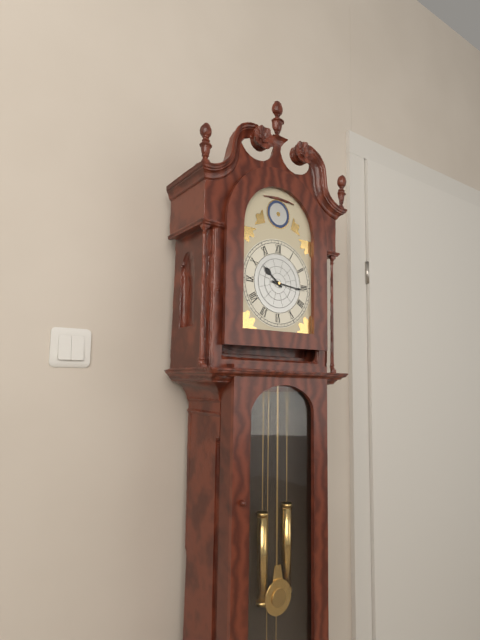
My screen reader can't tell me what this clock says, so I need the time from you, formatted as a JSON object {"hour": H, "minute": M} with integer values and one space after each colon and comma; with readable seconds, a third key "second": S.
{"hour": 10, "minute": 16}
